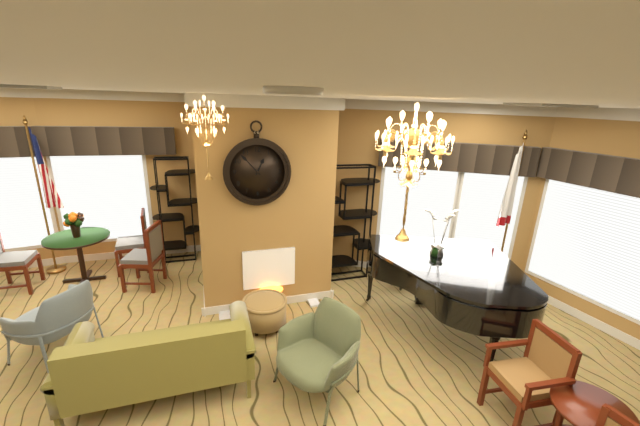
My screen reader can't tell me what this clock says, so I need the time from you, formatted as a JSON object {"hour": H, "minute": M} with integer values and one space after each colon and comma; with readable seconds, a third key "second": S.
{"hour": 12, "minute": 53}
